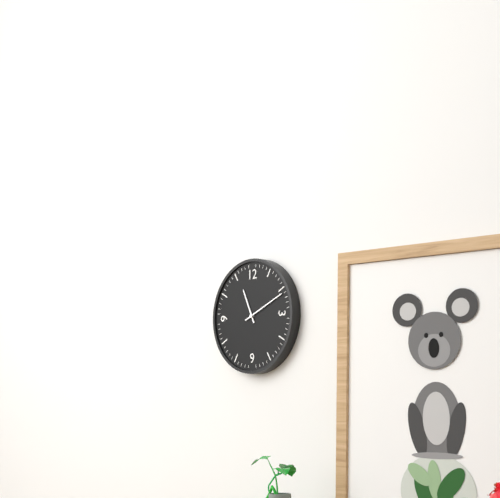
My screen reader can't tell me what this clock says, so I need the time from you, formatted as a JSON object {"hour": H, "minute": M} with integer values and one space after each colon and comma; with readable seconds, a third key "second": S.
{"hour": 11, "minute": 11}
